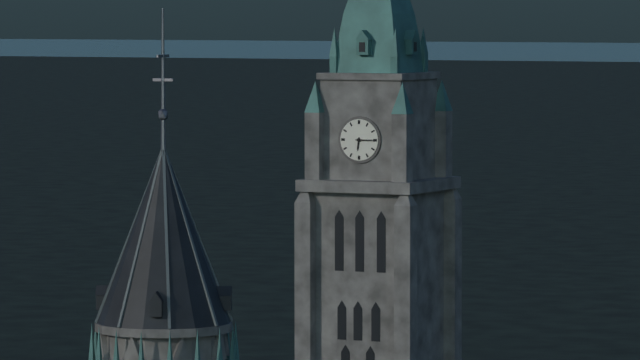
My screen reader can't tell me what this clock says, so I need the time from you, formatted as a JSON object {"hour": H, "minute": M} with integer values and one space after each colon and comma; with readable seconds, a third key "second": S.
{"hour": 6, "minute": 15}
